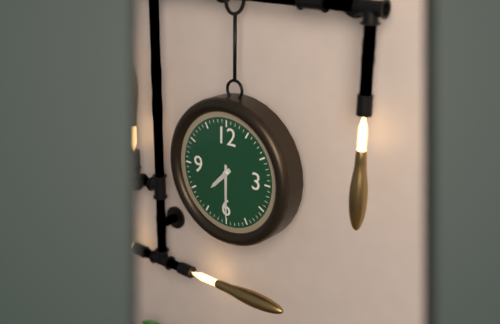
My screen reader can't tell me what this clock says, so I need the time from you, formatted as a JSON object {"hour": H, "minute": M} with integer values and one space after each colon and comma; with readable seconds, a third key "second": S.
{"hour": 7, "minute": 30}
